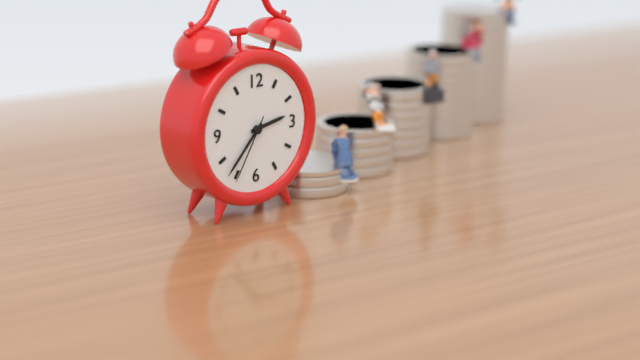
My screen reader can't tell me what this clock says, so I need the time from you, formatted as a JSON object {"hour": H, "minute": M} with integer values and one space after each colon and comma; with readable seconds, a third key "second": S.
{"hour": 2, "minute": 37, "second": 35}
